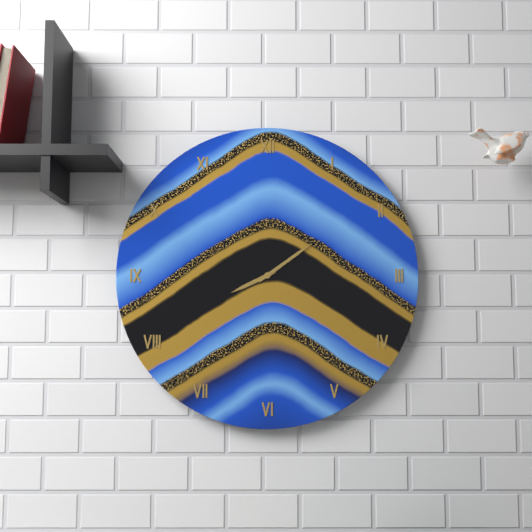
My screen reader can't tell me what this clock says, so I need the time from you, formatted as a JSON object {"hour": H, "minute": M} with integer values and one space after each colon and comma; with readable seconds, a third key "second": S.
{"hour": 8, "minute": 9}
